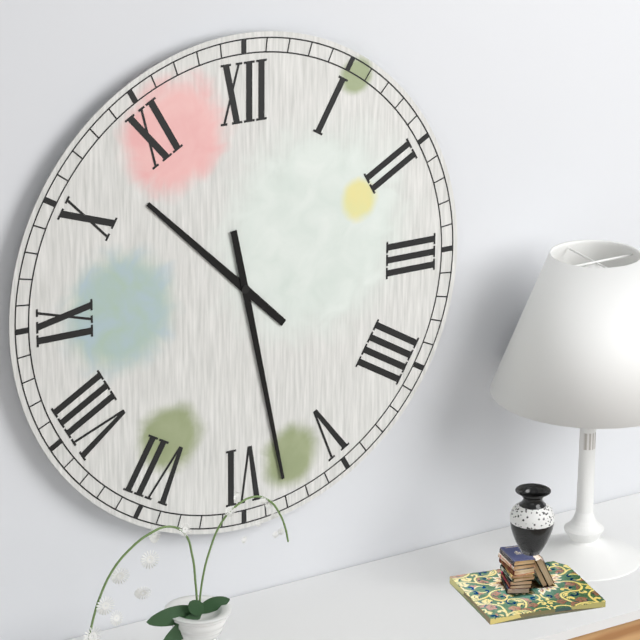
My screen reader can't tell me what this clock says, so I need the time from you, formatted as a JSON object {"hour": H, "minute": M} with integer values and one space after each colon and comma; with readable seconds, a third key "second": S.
{"hour": 10, "minute": 28}
